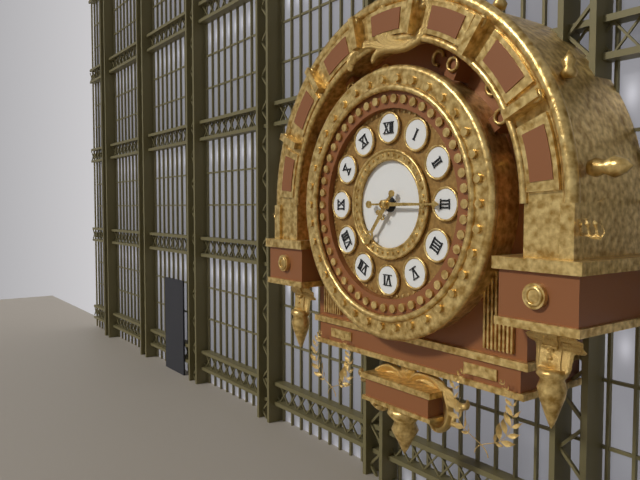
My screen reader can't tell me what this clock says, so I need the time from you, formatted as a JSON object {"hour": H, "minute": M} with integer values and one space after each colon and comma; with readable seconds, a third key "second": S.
{"hour": 7, "minute": 15}
